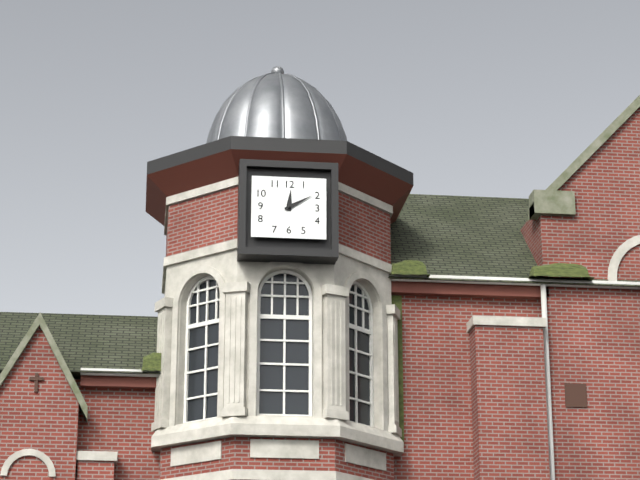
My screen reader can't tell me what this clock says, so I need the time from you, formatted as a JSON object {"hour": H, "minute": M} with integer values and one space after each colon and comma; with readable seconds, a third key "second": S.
{"hour": 12, "minute": 10}
